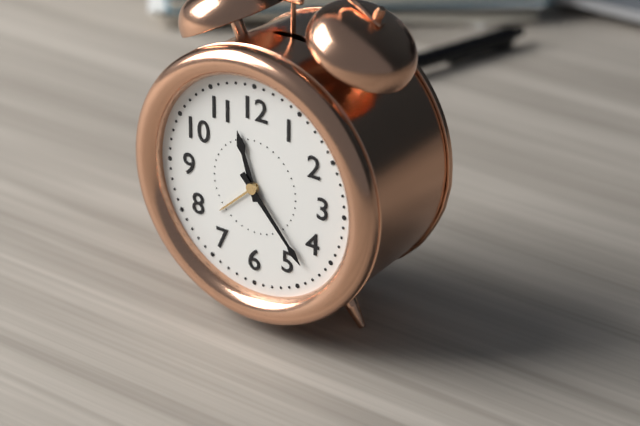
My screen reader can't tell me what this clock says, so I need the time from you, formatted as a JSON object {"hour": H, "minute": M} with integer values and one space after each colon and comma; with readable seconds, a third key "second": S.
{"hour": 11, "minute": 23}
